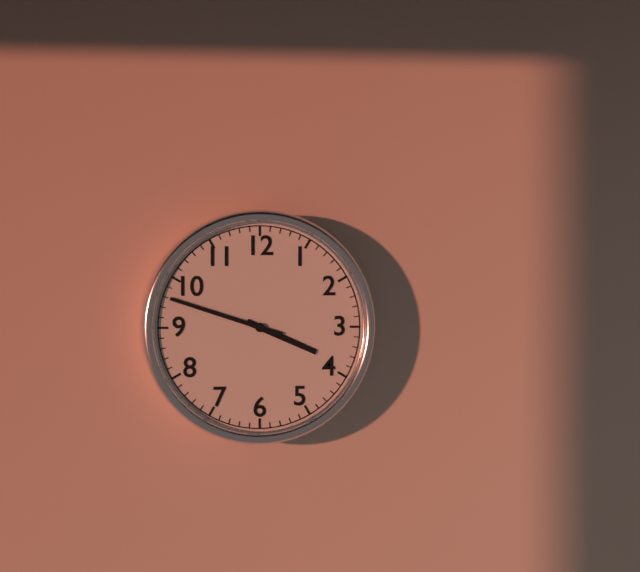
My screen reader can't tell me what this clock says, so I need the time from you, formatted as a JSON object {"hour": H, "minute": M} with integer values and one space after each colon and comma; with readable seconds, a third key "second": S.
{"hour": 3, "minute": 48}
